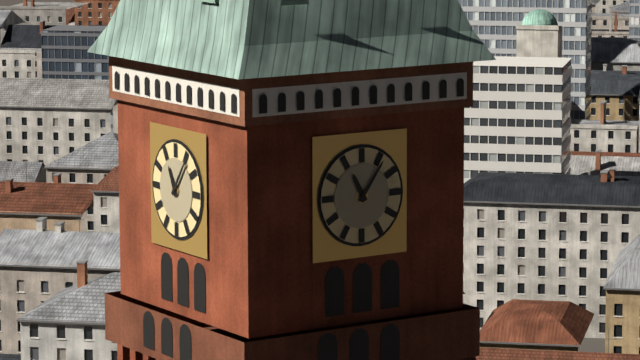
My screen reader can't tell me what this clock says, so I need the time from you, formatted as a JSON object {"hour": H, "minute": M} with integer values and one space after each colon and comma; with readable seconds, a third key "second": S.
{"hour": 11, "minute": 6}
